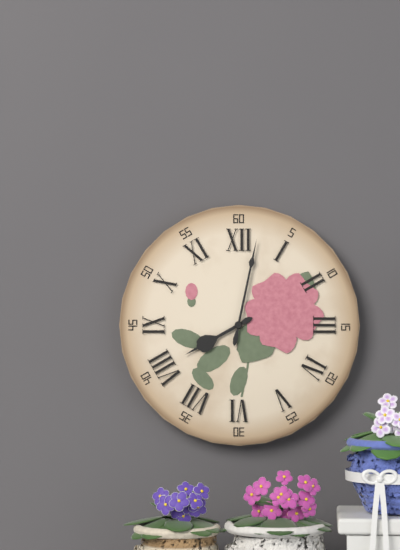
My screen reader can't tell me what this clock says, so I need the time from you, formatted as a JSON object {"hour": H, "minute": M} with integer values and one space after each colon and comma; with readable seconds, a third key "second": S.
{"hour": 8, "minute": 2}
